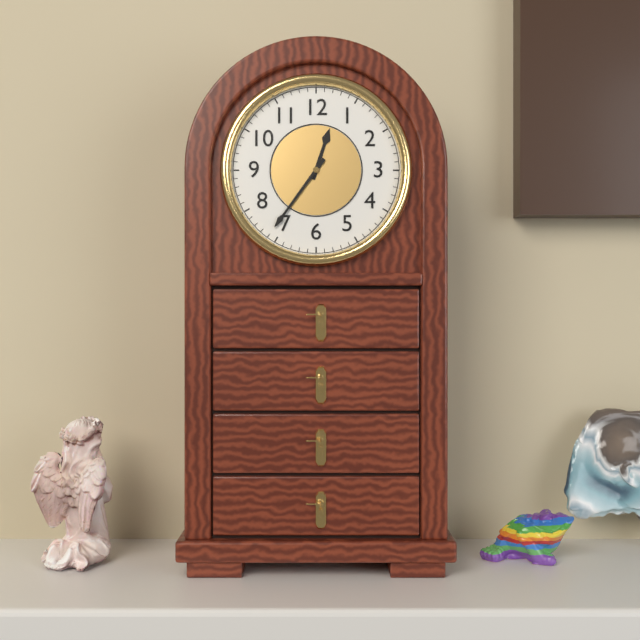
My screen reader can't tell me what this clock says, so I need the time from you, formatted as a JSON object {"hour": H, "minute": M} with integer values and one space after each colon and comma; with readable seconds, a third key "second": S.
{"hour": 12, "minute": 36}
